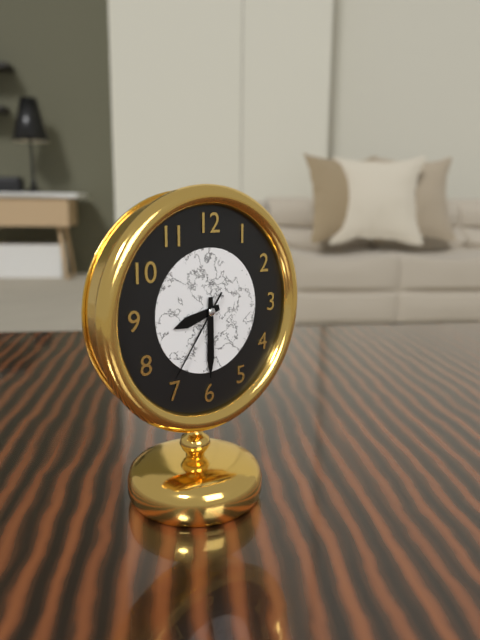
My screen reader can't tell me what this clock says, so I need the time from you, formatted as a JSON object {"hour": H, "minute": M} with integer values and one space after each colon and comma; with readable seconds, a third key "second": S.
{"hour": 8, "minute": 30, "second": 36}
